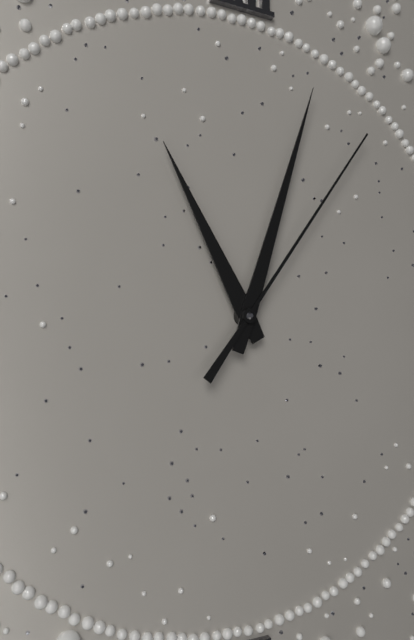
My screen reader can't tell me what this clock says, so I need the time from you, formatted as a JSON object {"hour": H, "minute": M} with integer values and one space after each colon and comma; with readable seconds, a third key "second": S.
{"hour": 11, "minute": 3, "second": 6}
